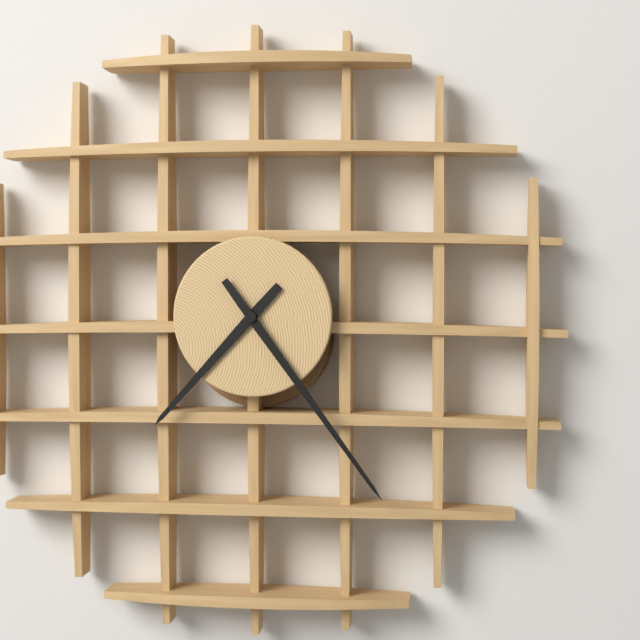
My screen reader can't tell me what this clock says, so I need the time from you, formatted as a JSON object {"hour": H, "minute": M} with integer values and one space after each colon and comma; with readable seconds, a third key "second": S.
{"hour": 7, "minute": 24}
